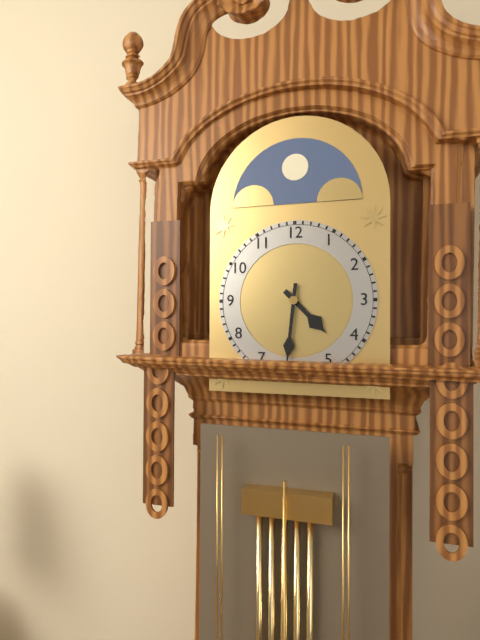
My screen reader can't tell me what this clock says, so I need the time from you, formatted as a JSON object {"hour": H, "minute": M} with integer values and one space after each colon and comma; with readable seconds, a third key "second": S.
{"hour": 4, "minute": 31}
